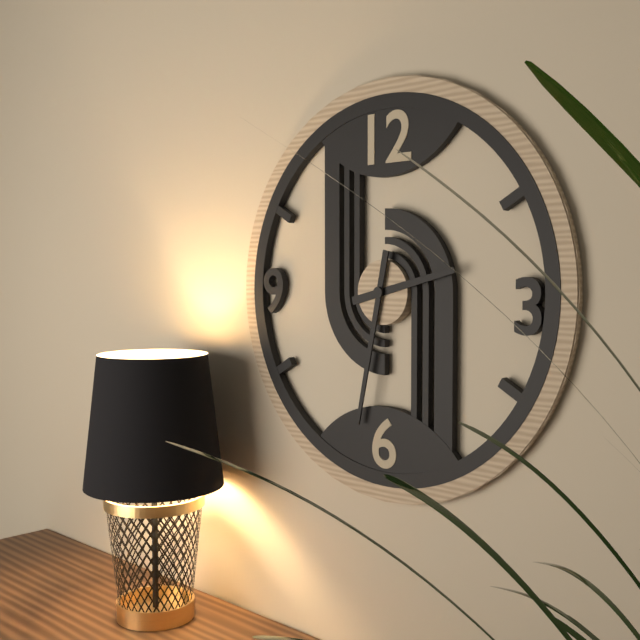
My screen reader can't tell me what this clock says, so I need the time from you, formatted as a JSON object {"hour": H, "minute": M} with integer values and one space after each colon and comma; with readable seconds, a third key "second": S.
{"hour": 2, "minute": 32}
